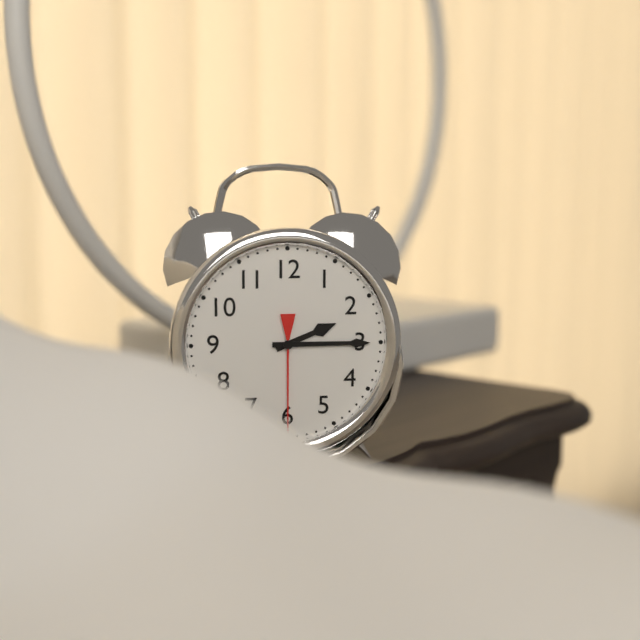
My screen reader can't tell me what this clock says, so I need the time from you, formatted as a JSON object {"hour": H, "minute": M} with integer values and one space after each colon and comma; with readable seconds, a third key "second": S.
{"hour": 2, "minute": 15, "second": 30}
